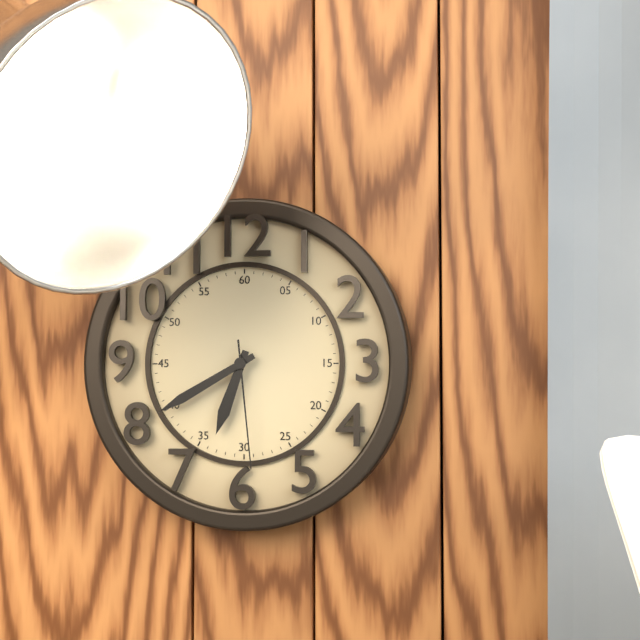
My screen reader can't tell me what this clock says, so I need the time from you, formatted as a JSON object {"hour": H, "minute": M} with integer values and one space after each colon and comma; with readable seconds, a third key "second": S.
{"hour": 6, "minute": 40, "second": 29}
